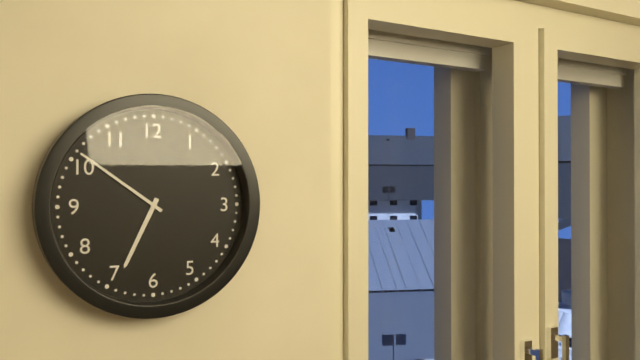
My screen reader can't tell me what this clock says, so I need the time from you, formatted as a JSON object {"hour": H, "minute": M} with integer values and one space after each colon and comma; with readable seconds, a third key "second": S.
{"hour": 6, "minute": 51}
